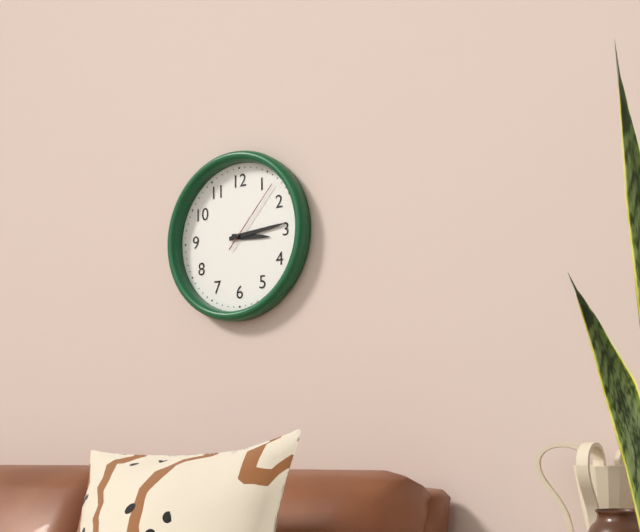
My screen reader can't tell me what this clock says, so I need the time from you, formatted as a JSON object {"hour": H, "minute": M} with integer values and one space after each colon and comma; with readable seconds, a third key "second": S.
{"hour": 3, "minute": 14, "second": 7}
